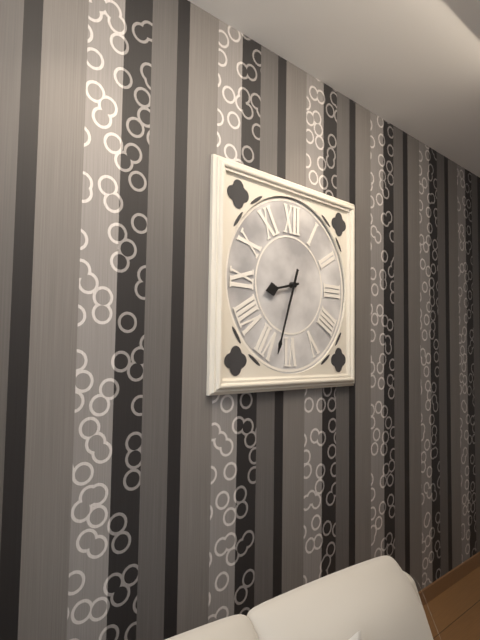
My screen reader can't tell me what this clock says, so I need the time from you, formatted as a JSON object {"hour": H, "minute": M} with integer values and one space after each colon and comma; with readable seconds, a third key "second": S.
{"hour": 8, "minute": 33}
